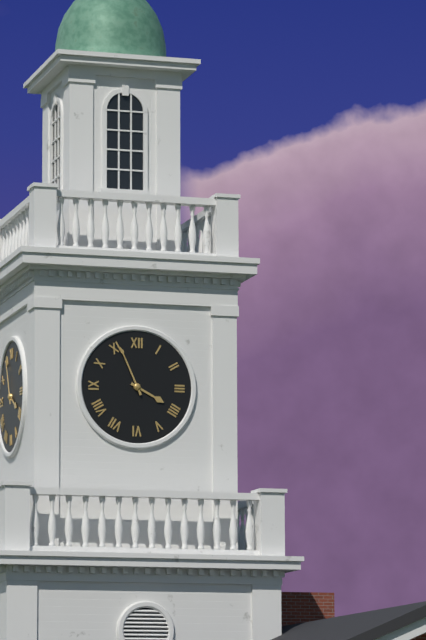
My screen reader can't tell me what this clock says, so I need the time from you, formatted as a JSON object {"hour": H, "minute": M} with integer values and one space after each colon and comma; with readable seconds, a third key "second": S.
{"hour": 3, "minute": 56}
